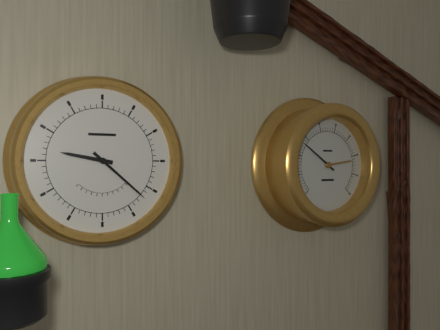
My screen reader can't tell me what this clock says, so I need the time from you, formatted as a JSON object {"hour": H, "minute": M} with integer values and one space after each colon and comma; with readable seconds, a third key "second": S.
{"hour": 9, "minute": 22}
